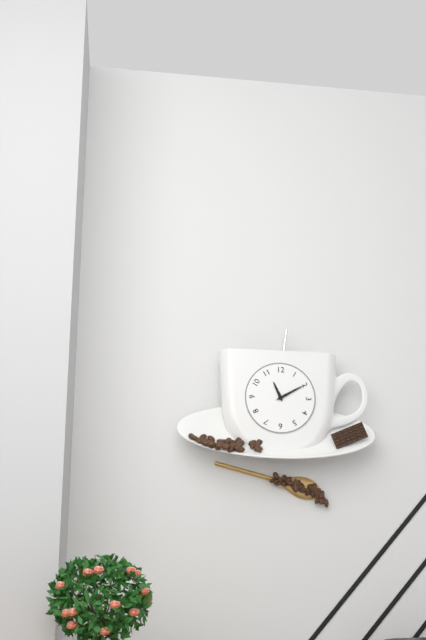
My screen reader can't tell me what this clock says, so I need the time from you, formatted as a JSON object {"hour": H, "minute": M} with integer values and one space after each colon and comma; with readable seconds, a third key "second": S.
{"hour": 11, "minute": 10}
